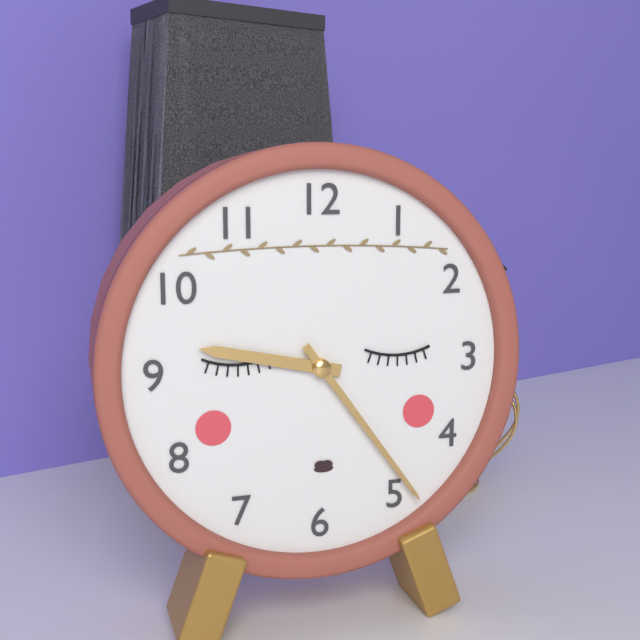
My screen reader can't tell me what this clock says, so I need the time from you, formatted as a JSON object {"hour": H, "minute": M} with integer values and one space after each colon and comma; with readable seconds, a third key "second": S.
{"hour": 9, "minute": 24}
